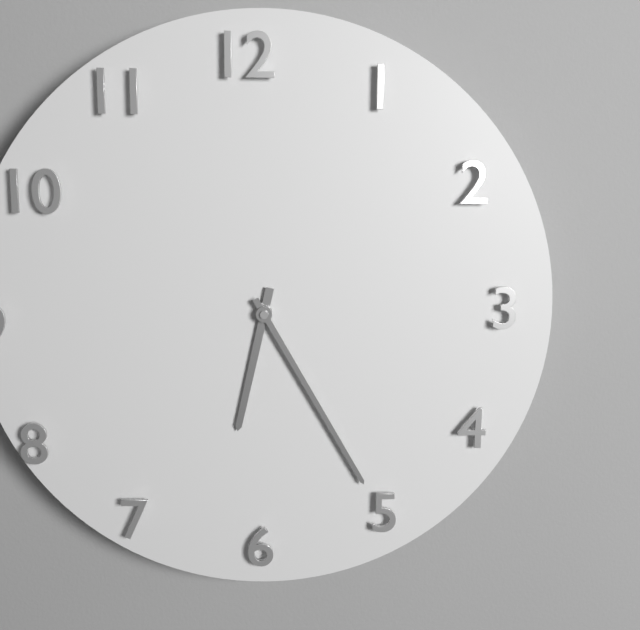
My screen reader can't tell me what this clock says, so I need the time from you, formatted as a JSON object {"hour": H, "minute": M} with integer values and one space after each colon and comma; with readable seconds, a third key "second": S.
{"hour": 6, "minute": 25}
